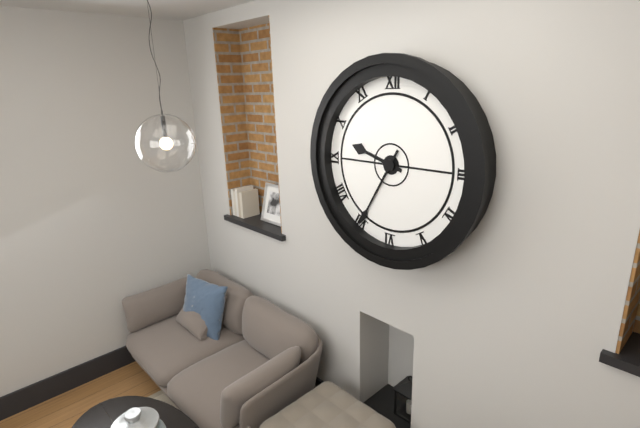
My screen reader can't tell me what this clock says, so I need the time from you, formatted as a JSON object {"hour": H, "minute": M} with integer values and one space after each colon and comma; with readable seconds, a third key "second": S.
{"hour": 9, "minute": 35}
